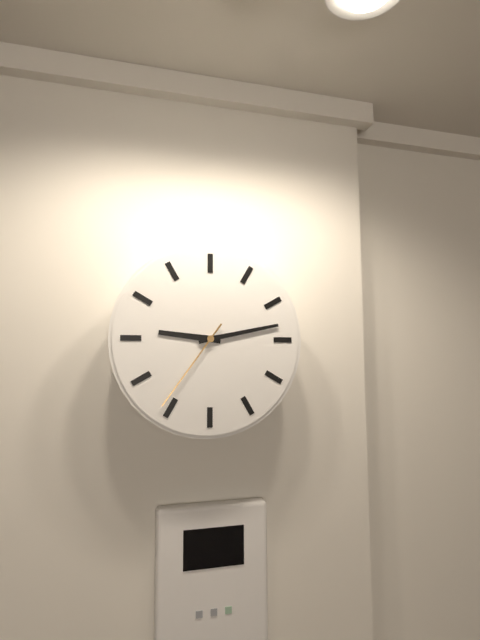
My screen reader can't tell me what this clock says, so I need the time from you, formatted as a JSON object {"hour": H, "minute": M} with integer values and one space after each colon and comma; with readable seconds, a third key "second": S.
{"hour": 9, "minute": 13, "second": 36}
